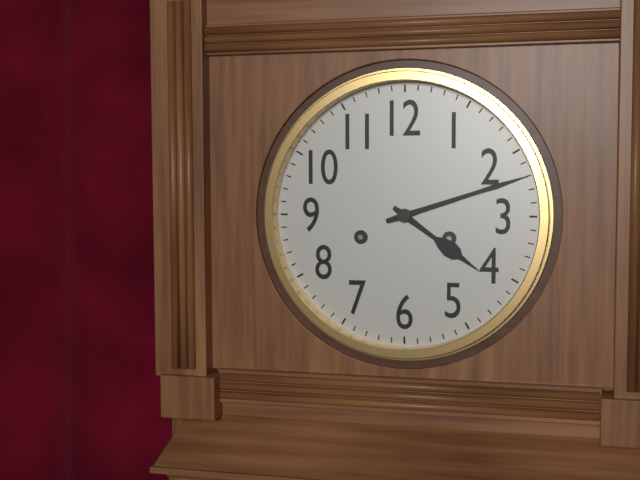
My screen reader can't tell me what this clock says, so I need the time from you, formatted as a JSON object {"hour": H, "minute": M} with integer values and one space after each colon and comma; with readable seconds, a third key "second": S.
{"hour": 4, "minute": 12}
